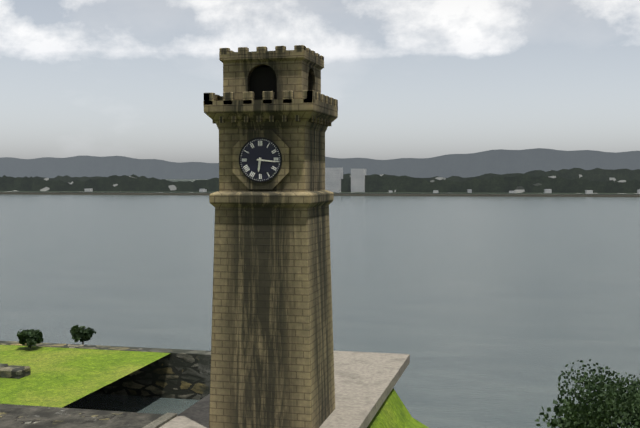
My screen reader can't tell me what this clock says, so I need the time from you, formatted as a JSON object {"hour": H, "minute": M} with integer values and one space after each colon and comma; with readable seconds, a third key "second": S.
{"hour": 6, "minute": 16}
